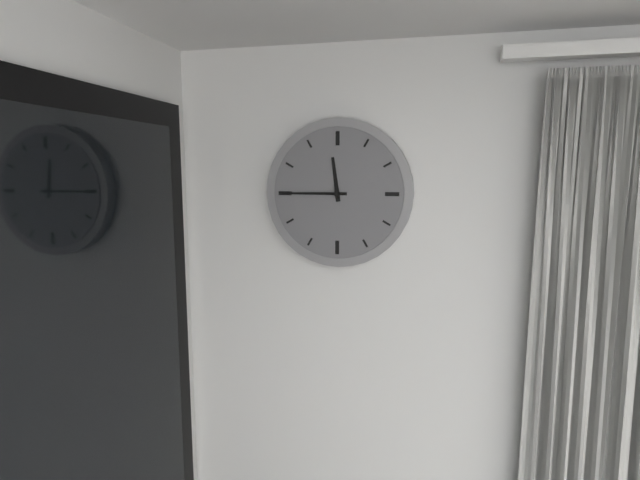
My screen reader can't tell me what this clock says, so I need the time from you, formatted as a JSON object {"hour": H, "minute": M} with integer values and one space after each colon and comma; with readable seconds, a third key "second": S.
{"hour": 11, "minute": 45}
